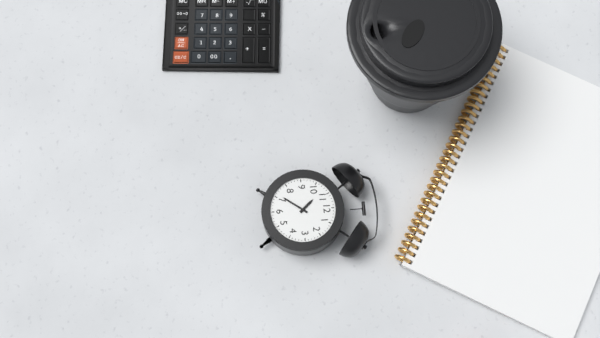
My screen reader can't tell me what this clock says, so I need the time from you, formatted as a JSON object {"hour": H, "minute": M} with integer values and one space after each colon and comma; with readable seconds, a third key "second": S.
{"hour": 10, "minute": 36}
